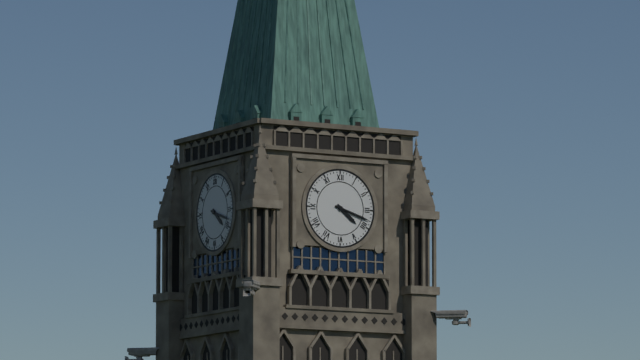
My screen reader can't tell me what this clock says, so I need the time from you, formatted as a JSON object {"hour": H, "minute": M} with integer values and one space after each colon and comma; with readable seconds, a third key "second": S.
{"hour": 4, "minute": 18}
